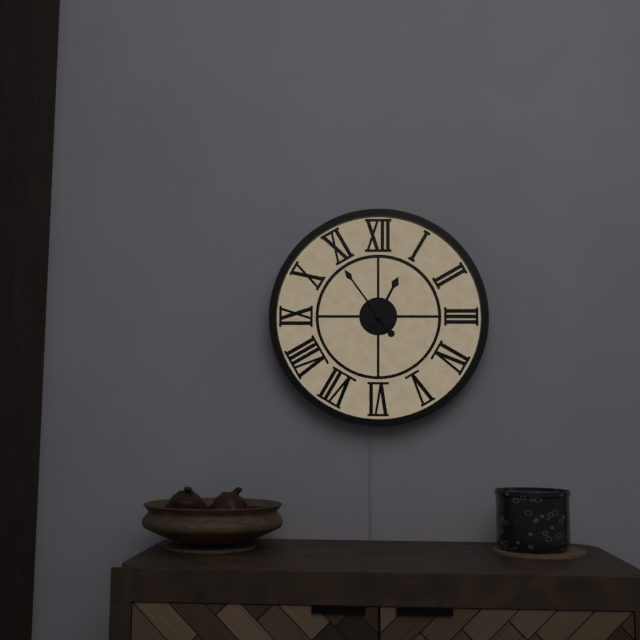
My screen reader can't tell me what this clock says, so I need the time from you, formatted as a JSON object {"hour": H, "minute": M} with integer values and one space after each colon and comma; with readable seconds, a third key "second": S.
{"hour": 12, "minute": 54}
